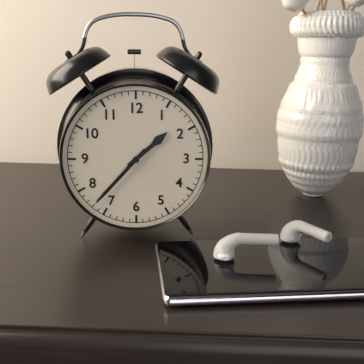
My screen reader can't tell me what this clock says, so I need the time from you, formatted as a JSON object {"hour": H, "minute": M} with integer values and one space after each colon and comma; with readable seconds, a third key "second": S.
{"hour": 1, "minute": 37}
